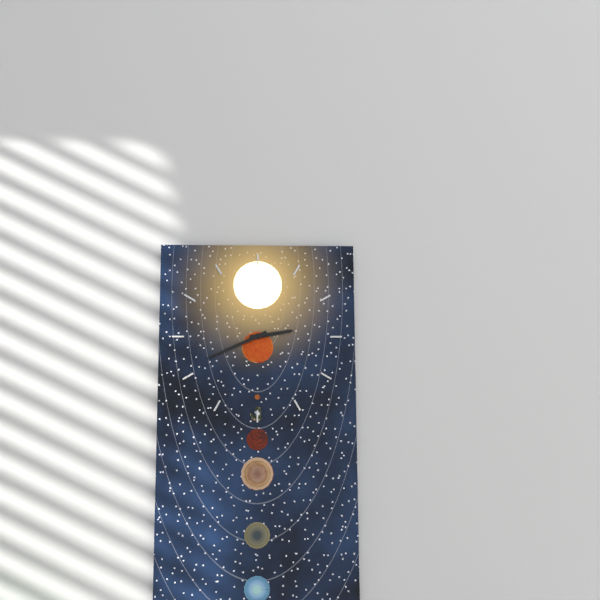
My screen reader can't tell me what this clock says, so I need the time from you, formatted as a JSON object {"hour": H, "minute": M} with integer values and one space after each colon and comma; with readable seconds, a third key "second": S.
{"hour": 2, "minute": 41}
